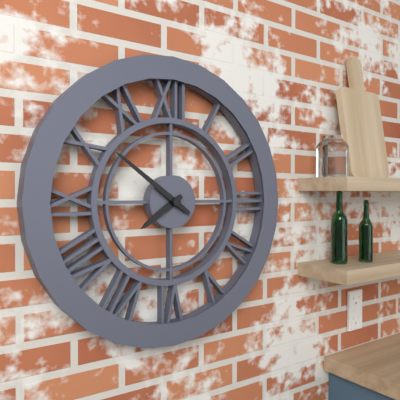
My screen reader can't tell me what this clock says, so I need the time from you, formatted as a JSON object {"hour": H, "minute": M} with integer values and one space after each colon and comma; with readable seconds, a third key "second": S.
{"hour": 7, "minute": 51}
